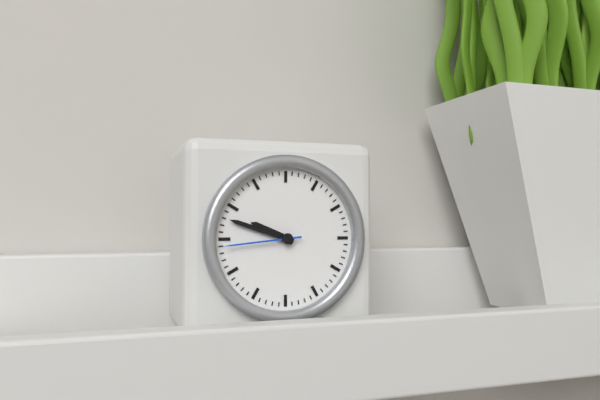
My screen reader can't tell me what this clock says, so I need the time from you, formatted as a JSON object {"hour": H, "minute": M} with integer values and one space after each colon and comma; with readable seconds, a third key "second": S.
{"hour": 9, "minute": 48, "second": 44}
